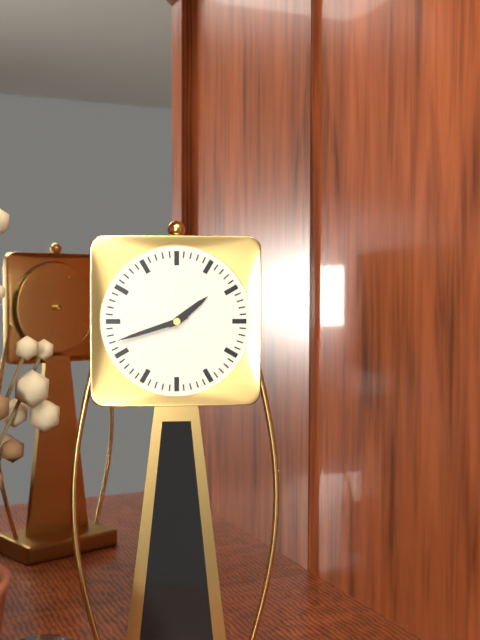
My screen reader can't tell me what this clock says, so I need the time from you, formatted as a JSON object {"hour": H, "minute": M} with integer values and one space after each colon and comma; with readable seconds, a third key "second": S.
{"hour": 1, "minute": 42}
